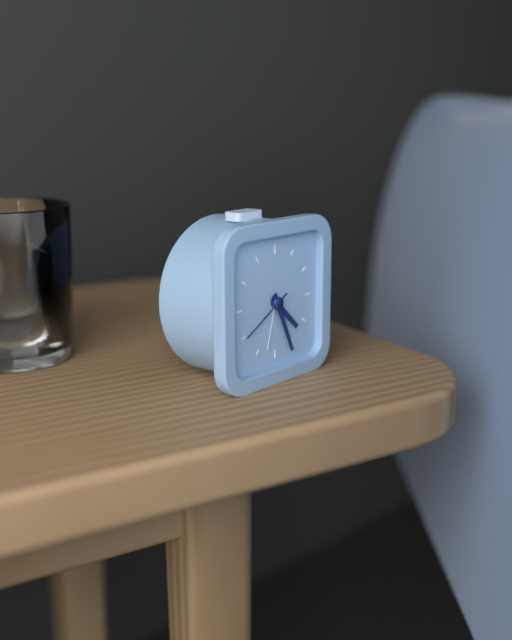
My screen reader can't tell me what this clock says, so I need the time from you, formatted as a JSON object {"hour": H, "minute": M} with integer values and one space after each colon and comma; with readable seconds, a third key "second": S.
{"hour": 4, "minute": 26, "second": 40}
